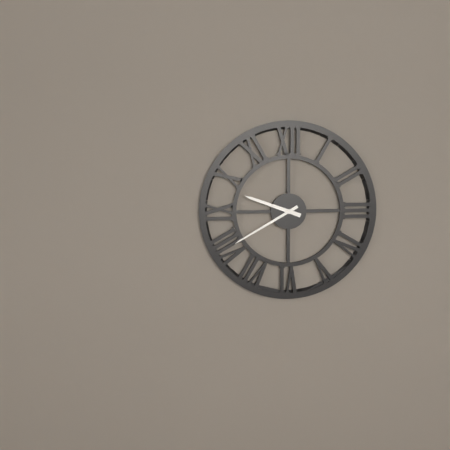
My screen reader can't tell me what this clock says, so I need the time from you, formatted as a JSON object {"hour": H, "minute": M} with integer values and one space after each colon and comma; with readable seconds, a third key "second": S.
{"hour": 9, "minute": 40}
